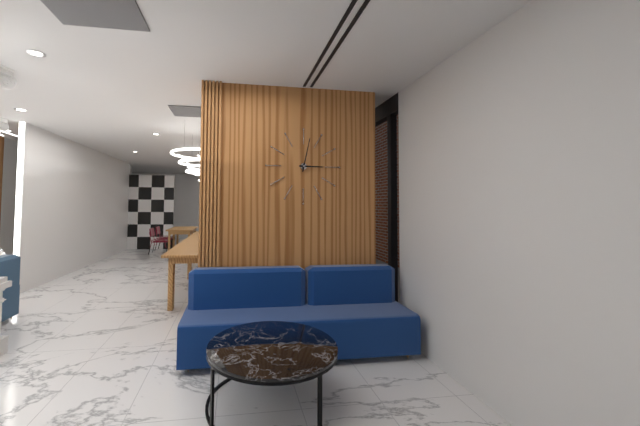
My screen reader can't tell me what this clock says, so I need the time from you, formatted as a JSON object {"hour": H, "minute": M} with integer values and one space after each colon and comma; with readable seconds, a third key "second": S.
{"hour": 3, "minute": 2}
